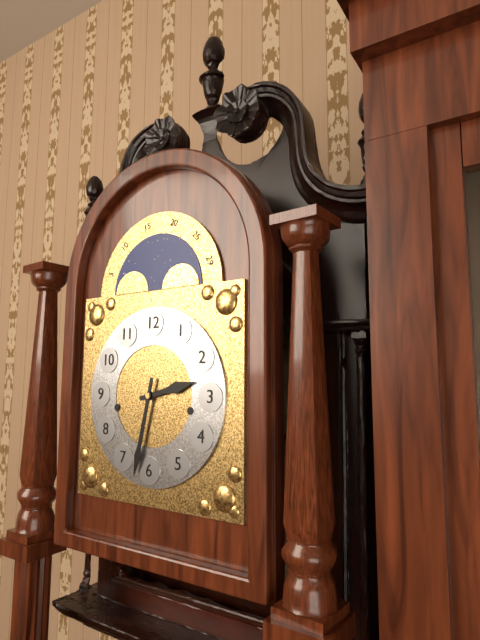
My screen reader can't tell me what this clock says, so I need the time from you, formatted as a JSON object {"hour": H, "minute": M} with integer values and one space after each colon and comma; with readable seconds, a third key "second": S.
{"hour": 2, "minute": 32}
